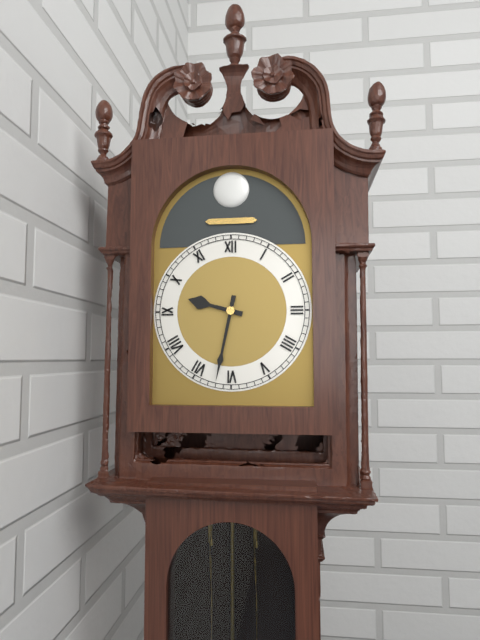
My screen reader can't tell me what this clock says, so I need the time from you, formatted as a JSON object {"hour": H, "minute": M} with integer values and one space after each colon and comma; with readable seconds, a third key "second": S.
{"hour": 9, "minute": 32}
